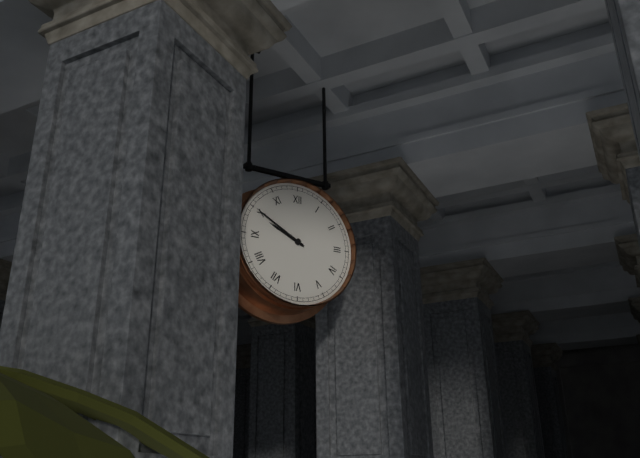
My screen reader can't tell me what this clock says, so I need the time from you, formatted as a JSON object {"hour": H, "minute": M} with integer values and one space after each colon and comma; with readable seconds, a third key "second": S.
{"hour": 9, "minute": 50}
